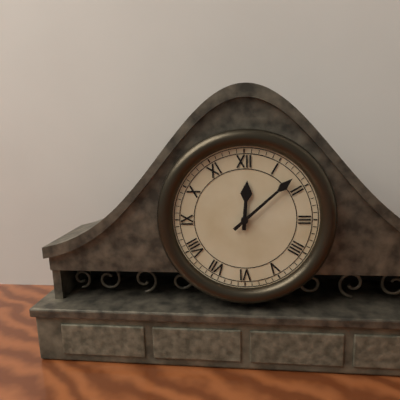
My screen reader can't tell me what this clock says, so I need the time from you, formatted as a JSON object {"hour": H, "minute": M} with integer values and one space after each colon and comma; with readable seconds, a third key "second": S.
{"hour": 12, "minute": 8}
